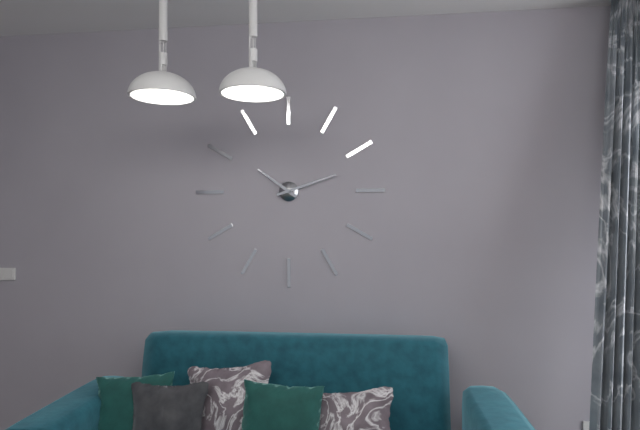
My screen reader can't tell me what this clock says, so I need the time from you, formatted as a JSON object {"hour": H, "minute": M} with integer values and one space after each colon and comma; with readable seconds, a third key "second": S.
{"hour": 10, "minute": 12}
